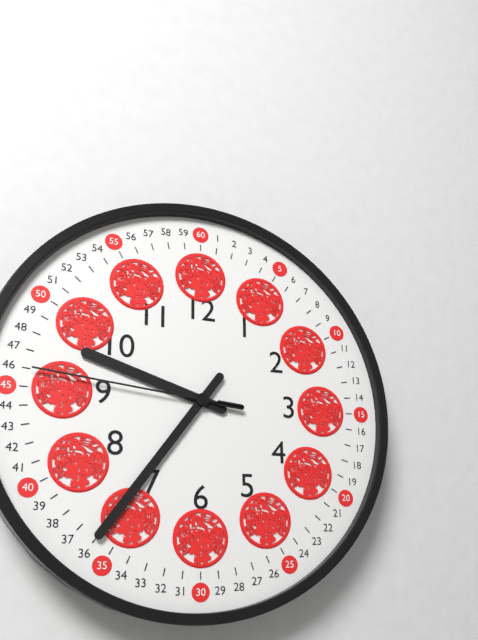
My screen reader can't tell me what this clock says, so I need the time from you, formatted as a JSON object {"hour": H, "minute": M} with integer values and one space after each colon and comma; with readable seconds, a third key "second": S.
{"hour": 9, "minute": 36, "second": 46}
